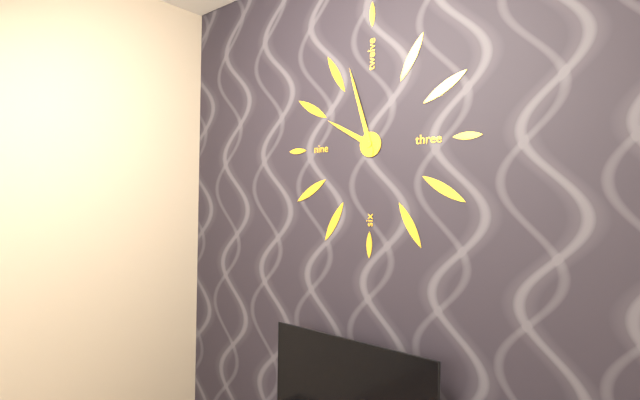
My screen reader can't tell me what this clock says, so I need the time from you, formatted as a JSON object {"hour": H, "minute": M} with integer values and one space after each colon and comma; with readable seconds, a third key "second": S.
{"hour": 9, "minute": 57}
